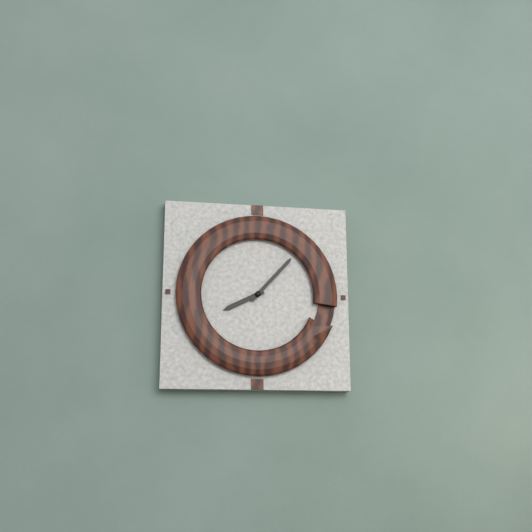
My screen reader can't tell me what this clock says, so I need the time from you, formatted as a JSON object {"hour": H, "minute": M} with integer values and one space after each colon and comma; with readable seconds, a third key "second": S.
{"hour": 8, "minute": 7}
